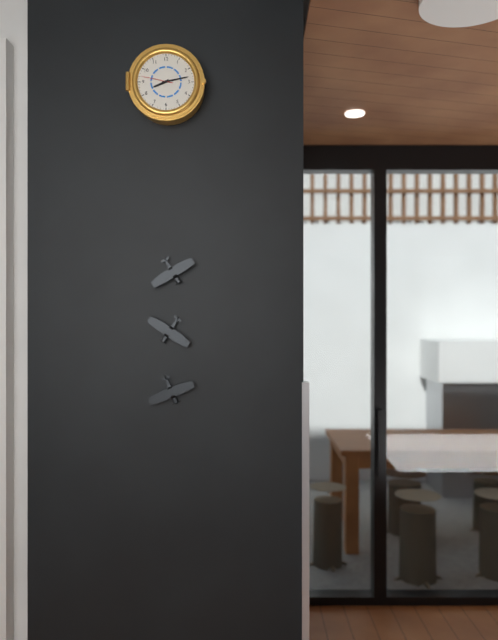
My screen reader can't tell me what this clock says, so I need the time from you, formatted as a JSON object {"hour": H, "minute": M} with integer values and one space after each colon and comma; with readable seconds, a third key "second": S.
{"hour": 8, "minute": 13}
